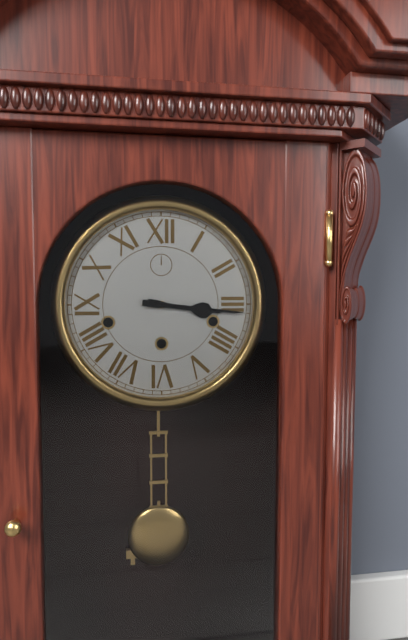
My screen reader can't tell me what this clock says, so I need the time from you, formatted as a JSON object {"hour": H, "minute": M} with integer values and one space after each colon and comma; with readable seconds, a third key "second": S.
{"hour": 3, "minute": 16}
